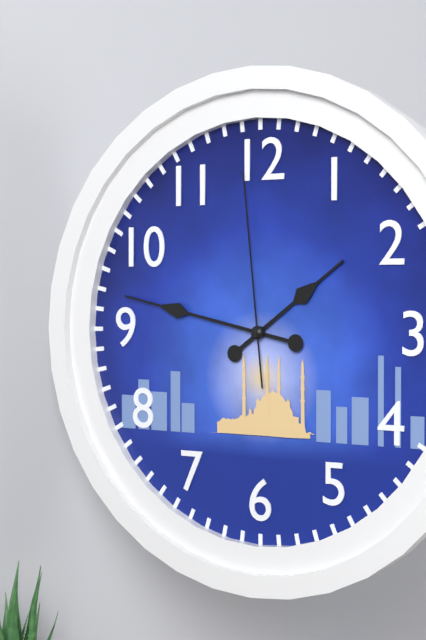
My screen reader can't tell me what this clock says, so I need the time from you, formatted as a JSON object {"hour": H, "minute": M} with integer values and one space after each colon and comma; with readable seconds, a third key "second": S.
{"hour": 1, "minute": 47, "second": 59}
